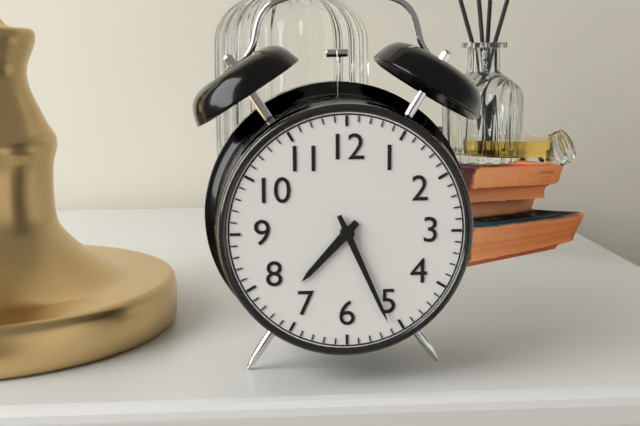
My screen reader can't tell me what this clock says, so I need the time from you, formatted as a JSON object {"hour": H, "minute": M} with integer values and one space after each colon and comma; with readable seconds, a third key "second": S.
{"hour": 7, "minute": 26}
